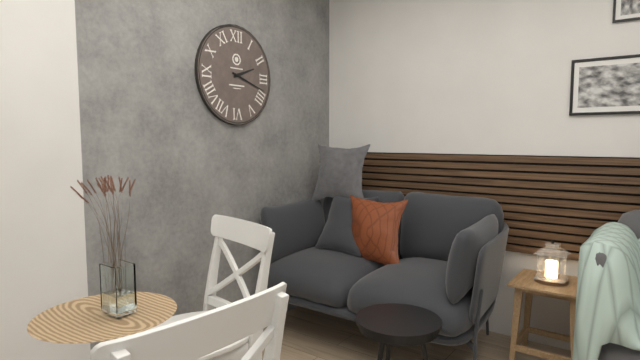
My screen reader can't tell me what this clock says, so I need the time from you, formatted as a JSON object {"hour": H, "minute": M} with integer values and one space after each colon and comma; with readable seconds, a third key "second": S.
{"hour": 2, "minute": 18}
